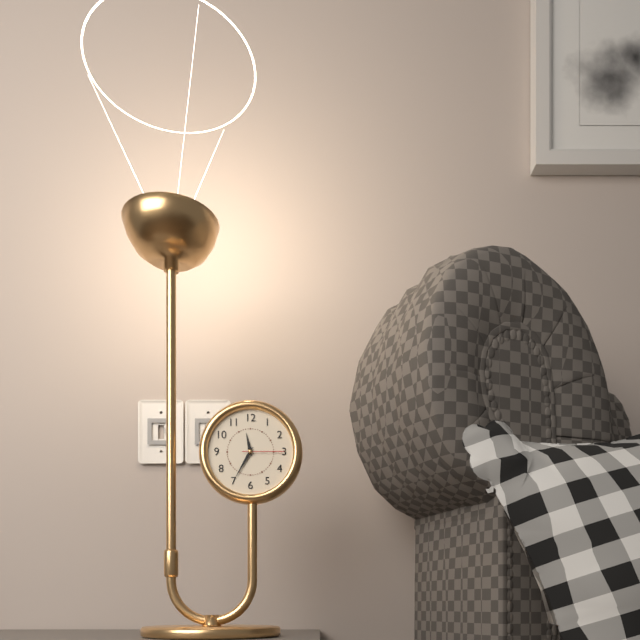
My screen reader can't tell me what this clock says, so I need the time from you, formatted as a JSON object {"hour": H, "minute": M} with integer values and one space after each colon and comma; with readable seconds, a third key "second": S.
{"hour": 11, "minute": 35}
